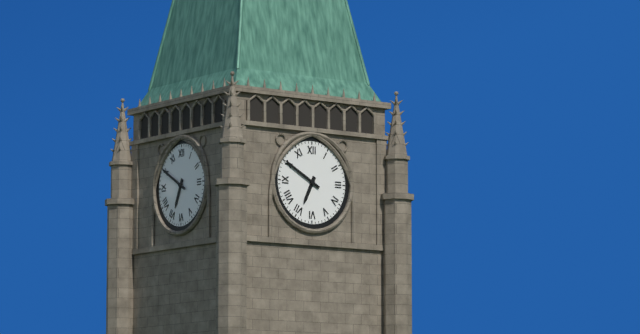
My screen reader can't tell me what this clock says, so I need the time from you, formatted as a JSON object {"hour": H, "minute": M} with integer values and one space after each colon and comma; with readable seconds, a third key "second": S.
{"hour": 6, "minute": 50}
